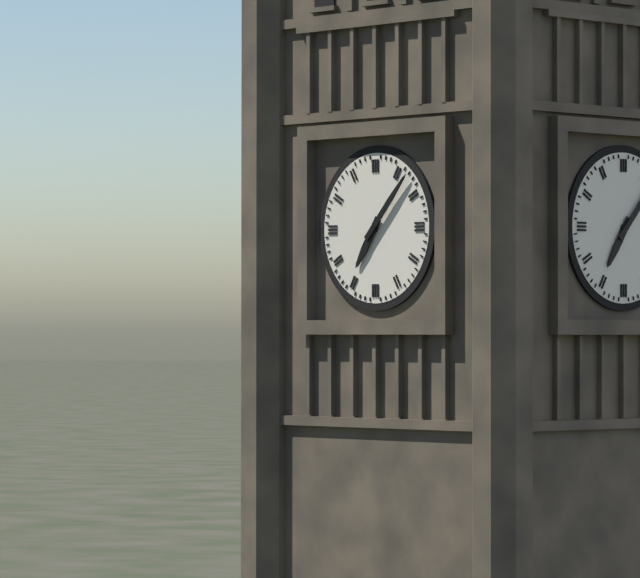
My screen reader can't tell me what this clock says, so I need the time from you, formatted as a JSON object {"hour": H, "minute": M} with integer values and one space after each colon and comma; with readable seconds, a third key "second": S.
{"hour": 7, "minute": 7}
